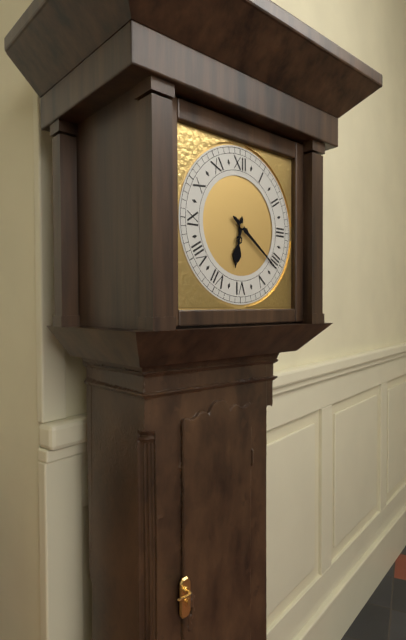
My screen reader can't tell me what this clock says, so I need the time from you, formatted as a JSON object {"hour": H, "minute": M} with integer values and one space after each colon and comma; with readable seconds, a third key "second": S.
{"hour": 6, "minute": 21}
